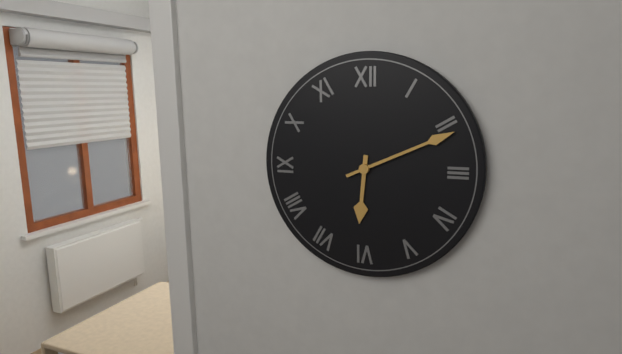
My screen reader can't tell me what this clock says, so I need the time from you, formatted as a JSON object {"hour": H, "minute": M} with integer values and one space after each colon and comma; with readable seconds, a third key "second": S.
{"hour": 6, "minute": 11}
